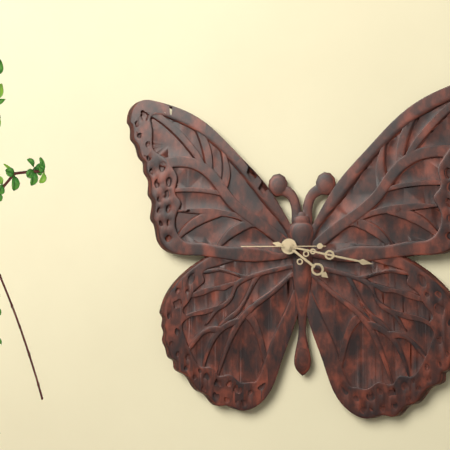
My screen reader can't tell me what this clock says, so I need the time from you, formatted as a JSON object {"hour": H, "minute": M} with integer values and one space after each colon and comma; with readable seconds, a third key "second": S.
{"hour": 4, "minute": 17, "second": 45}
